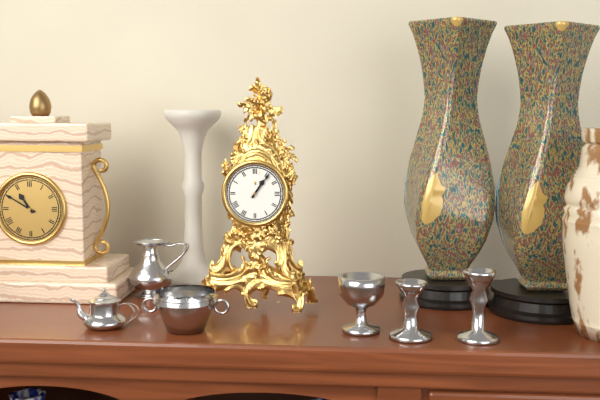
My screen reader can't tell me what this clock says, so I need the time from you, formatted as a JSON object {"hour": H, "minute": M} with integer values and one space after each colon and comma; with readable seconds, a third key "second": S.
{"hour": 1, "minute": 6}
